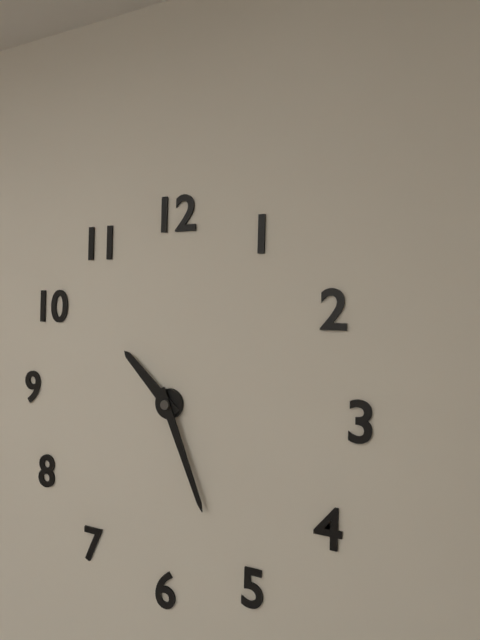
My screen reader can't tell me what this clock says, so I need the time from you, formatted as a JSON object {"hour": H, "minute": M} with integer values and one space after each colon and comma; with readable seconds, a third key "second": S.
{"hour": 10, "minute": 26}
